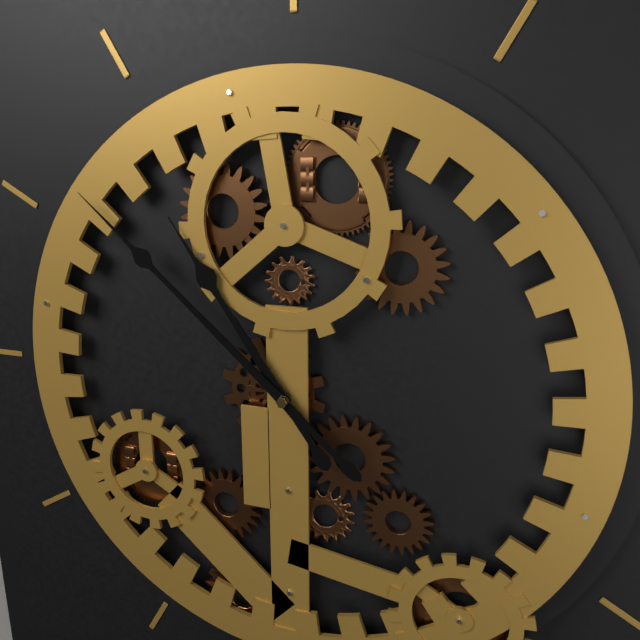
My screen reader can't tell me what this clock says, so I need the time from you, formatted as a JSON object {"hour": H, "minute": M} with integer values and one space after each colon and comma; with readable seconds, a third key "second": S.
{"hour": 10, "minute": 52}
